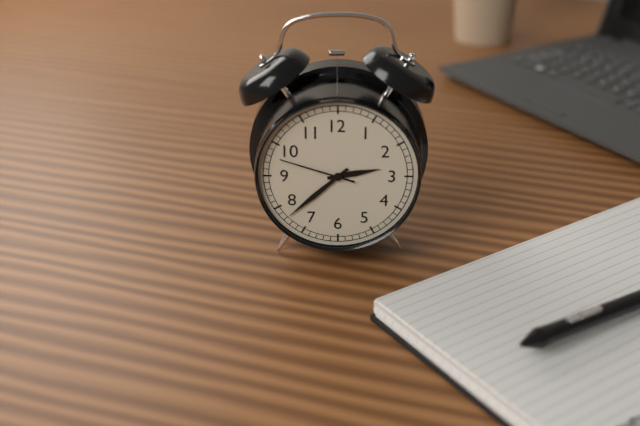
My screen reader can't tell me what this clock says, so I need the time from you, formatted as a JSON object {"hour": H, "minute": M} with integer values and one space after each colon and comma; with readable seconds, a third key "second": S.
{"hour": 2, "minute": 38, "second": 48}
